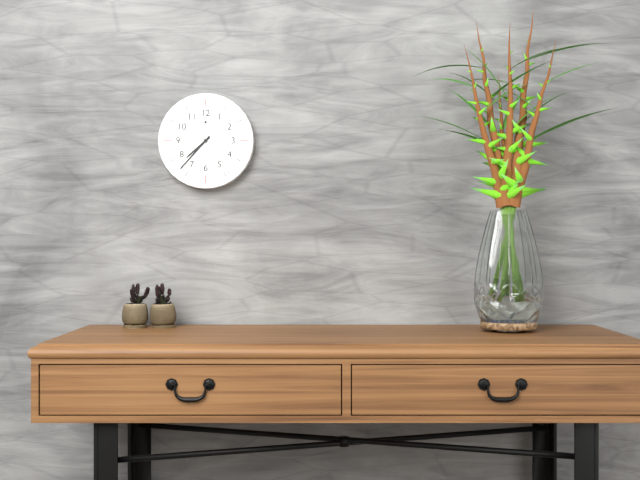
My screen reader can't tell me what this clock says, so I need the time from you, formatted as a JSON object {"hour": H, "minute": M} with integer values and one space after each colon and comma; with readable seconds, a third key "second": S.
{"hour": 7, "minute": 37}
